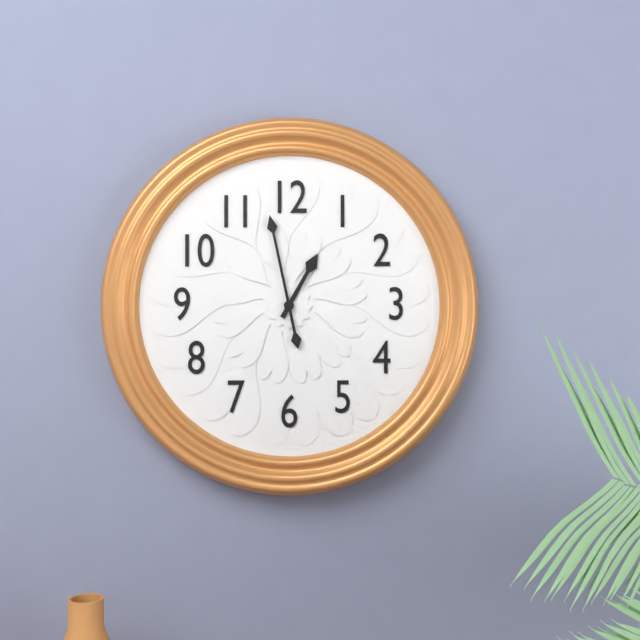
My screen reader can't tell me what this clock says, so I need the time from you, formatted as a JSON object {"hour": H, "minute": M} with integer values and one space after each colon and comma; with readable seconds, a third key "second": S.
{"hour": 12, "minute": 58}
